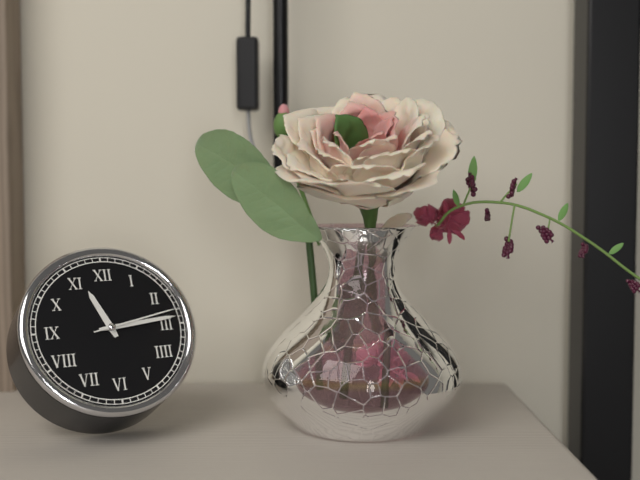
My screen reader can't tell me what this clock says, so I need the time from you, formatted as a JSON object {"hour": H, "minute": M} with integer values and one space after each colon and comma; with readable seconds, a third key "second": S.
{"hour": 11, "minute": 14, "second": 13}
